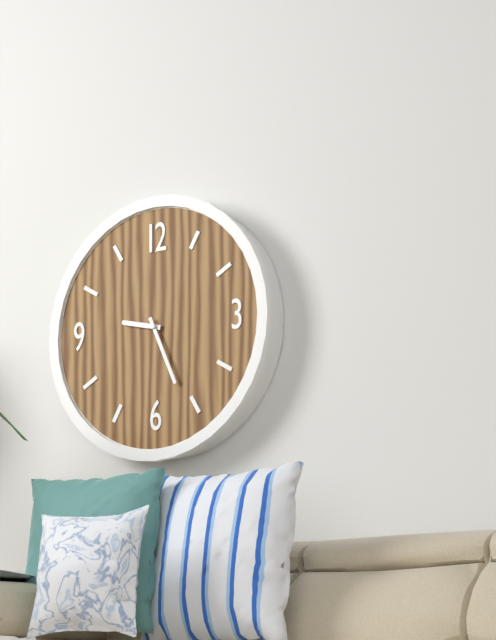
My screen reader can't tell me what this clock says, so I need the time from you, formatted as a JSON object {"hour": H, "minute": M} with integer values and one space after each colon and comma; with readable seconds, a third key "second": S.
{"hour": 9, "minute": 26}
